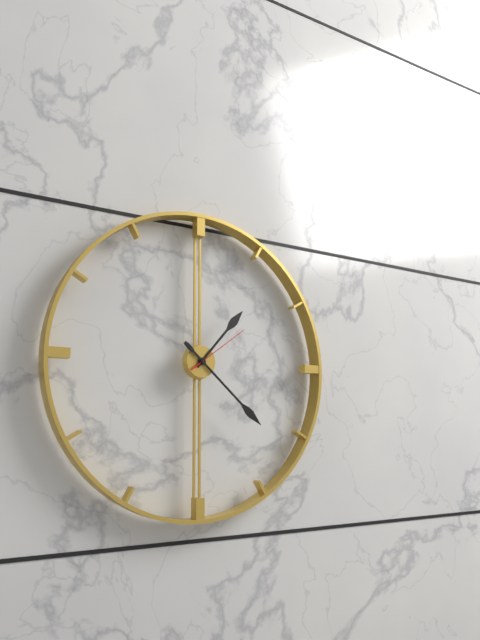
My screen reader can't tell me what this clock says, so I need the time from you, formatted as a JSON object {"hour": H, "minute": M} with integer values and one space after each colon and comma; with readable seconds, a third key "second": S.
{"hour": 1, "minute": 22, "second": 9}
